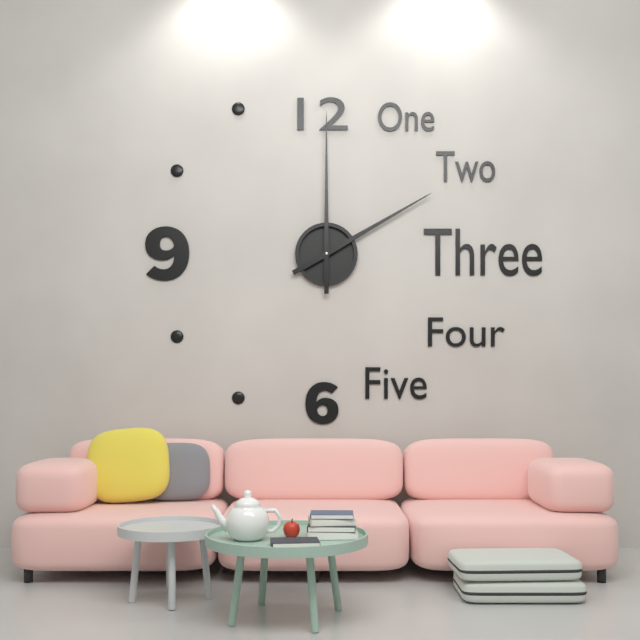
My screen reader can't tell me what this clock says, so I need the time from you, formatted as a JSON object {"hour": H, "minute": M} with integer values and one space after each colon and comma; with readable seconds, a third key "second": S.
{"hour": 2, "minute": 0}
